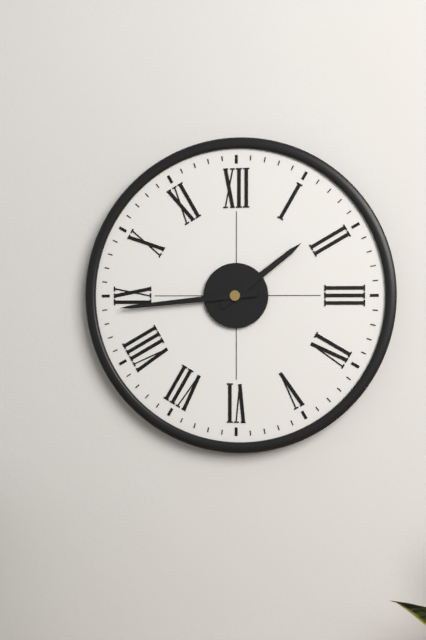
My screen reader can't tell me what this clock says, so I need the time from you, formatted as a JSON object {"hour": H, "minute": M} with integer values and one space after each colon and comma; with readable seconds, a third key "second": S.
{"hour": 1, "minute": 44}
